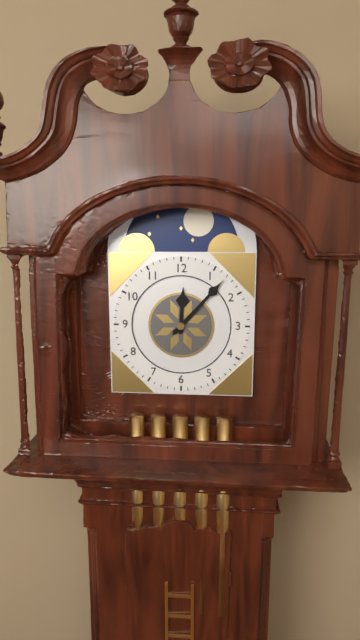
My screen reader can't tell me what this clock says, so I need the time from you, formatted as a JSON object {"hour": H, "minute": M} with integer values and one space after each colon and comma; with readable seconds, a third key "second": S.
{"hour": 12, "minute": 7}
